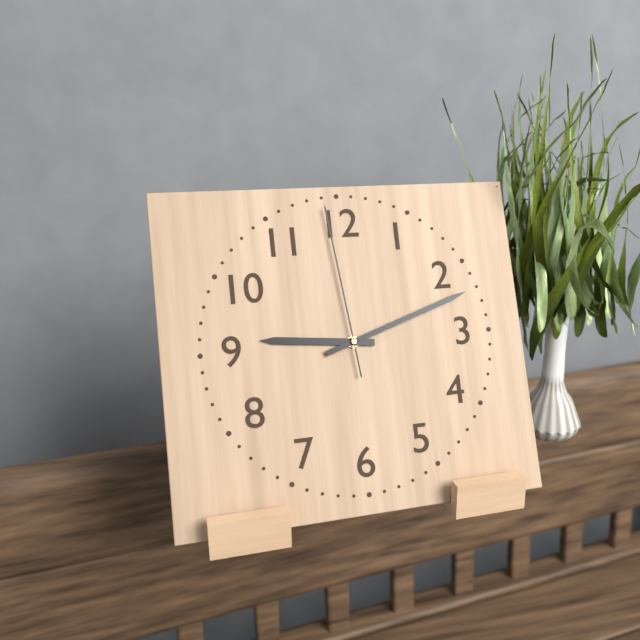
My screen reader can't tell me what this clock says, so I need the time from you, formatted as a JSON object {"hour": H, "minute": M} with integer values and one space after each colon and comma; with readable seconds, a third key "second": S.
{"hour": 9, "minute": 12, "second": 59}
